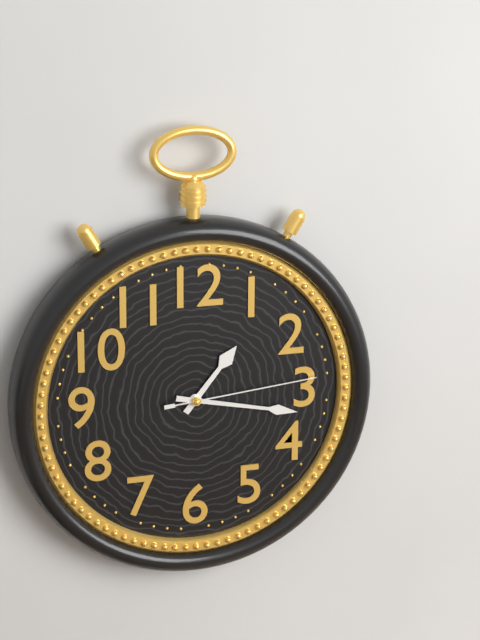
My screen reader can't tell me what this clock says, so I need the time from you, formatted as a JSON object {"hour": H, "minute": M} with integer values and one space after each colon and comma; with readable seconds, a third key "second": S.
{"hour": 1, "minute": 17, "second": 14}
